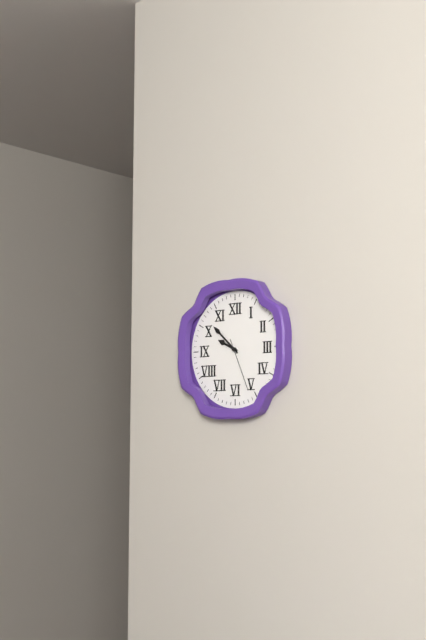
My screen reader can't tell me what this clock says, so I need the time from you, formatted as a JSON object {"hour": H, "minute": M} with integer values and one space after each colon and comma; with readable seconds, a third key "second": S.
{"hour": 9, "minute": 52, "second": 26}
